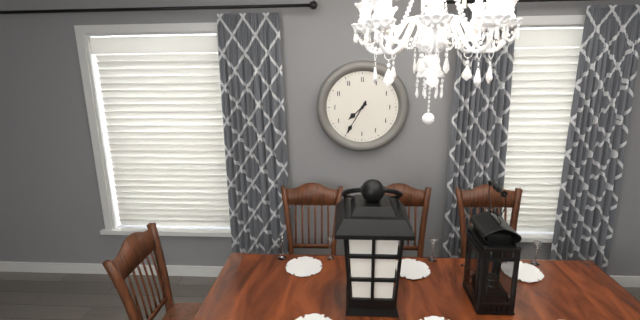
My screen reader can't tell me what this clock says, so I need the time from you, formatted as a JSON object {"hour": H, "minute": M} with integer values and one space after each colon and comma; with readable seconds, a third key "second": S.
{"hour": 7, "minute": 35}
